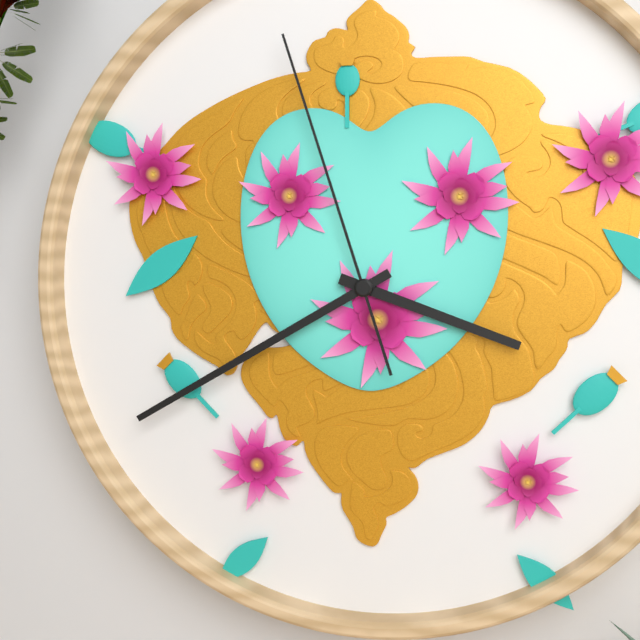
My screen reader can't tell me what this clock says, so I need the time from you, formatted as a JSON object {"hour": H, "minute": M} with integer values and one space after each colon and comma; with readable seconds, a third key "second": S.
{"hour": 3, "minute": 40, "second": 57}
